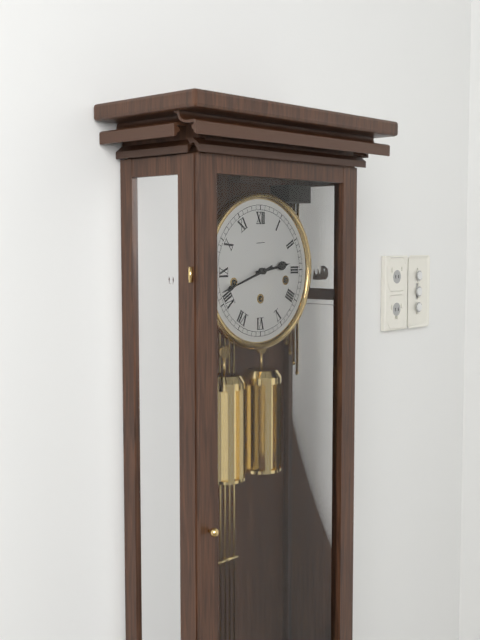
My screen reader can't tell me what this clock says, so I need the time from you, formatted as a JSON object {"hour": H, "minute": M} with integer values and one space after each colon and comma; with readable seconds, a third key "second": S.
{"hour": 2, "minute": 42}
